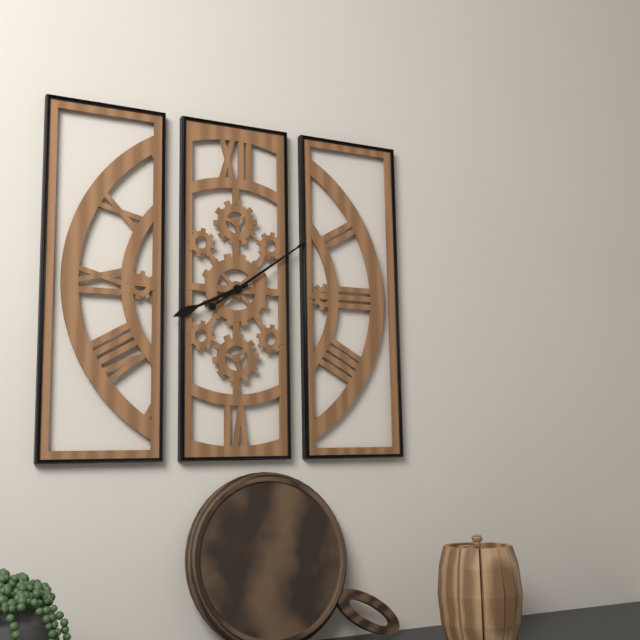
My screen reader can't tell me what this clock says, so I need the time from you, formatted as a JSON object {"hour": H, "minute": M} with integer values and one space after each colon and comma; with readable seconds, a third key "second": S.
{"hour": 8, "minute": 9}
